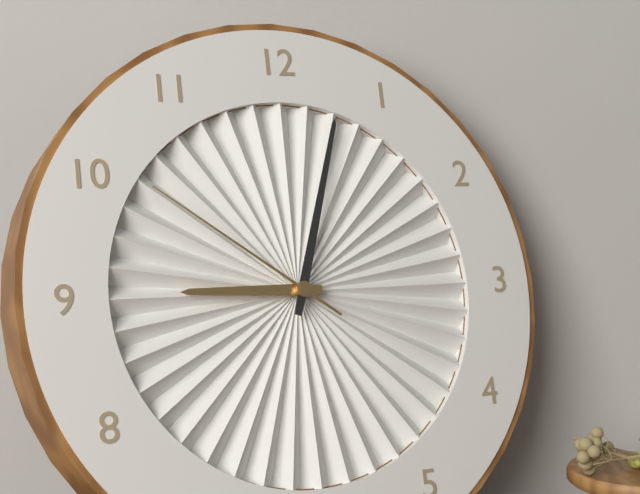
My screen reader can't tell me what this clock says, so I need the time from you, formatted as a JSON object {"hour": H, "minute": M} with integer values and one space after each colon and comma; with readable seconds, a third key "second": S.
{"hour": 9, "minute": 3, "second": 51}
